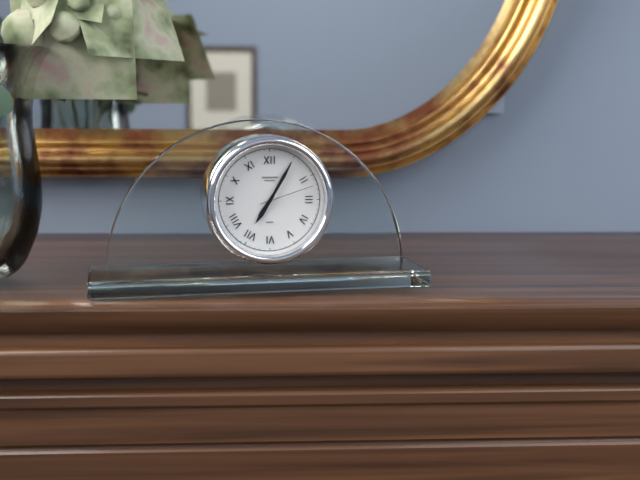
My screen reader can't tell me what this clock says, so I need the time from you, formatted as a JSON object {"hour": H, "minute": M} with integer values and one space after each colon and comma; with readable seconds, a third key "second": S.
{"hour": 7, "minute": 5, "second": 12}
